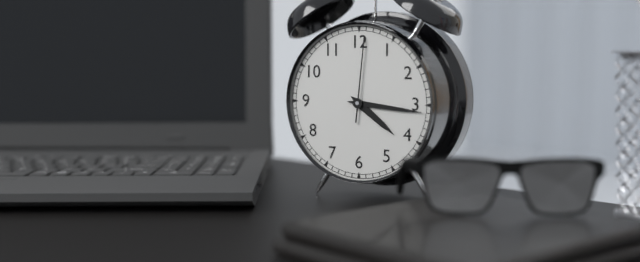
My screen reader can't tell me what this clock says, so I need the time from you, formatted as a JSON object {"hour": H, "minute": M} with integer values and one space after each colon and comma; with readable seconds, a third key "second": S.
{"hour": 4, "minute": 16, "second": 1}
